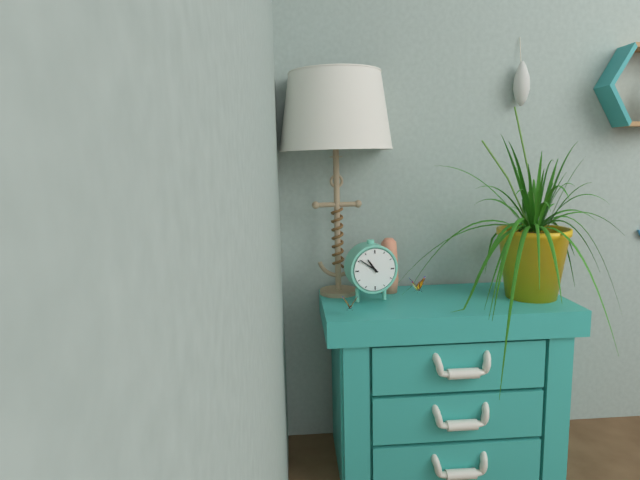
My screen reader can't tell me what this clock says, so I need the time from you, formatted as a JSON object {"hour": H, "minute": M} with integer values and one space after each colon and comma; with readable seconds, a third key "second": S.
{"hour": 10, "minute": 51}
